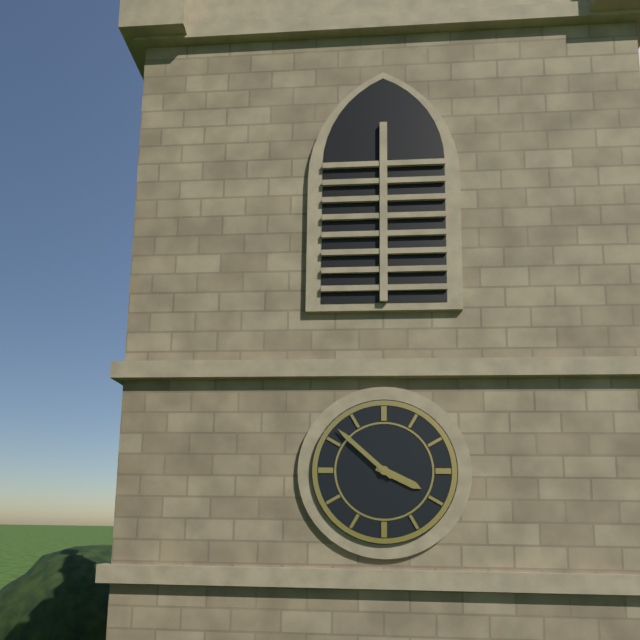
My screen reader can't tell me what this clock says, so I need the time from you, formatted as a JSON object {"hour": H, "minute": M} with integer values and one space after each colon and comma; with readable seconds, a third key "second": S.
{"hour": 3, "minute": 52}
